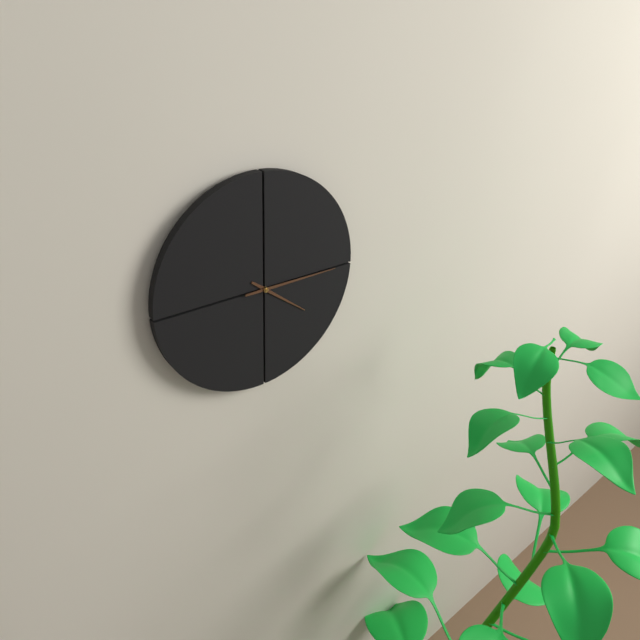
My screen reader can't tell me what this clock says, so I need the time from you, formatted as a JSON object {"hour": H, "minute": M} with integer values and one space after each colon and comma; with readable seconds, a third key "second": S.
{"hour": 4, "minute": 15}
